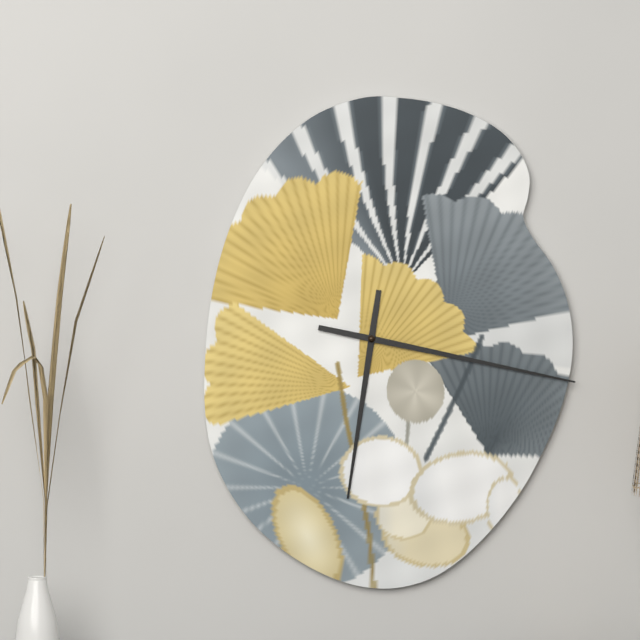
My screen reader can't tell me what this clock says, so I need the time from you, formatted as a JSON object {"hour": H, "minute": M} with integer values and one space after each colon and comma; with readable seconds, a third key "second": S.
{"hour": 6, "minute": 17}
